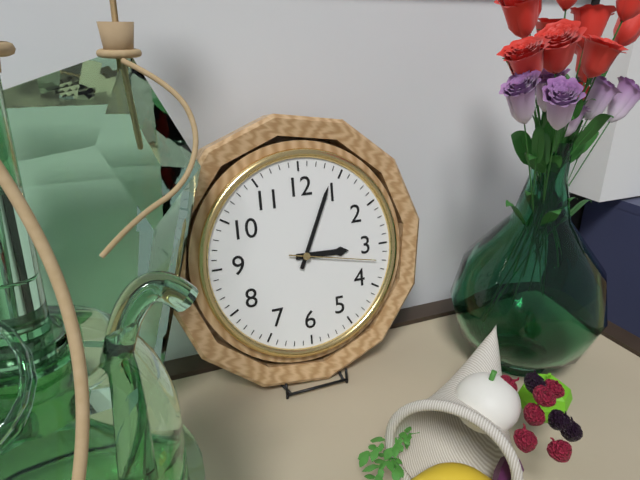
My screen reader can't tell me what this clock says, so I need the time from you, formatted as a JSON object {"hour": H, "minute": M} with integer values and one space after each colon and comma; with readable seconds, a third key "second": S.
{"hour": 3, "minute": 4, "second": 17}
